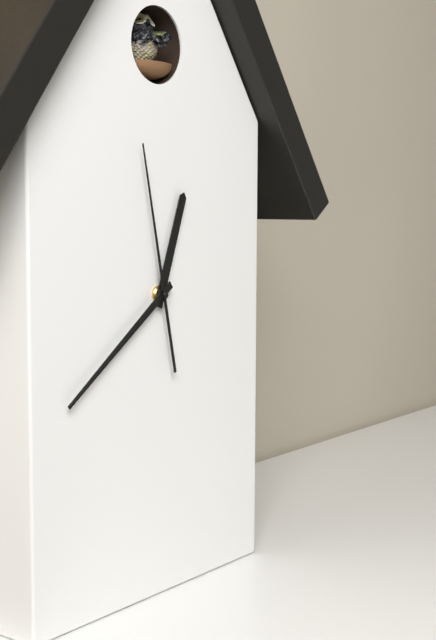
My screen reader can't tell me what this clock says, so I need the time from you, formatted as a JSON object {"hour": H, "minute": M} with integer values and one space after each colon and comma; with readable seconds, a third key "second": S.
{"hour": 12, "minute": 39, "second": 58}
